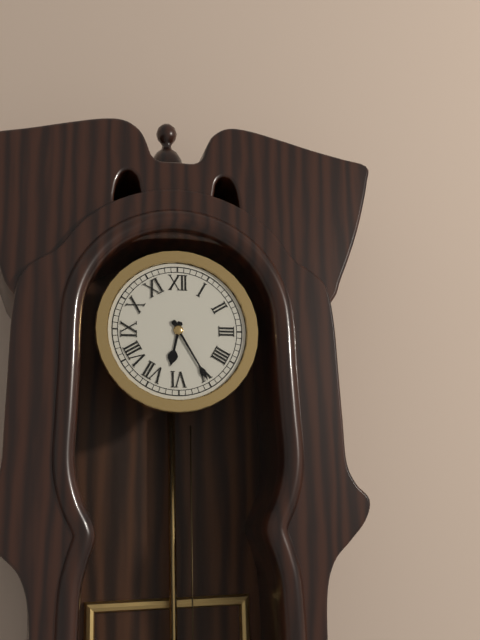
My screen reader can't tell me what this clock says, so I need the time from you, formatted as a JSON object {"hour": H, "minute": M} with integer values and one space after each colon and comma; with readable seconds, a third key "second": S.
{"hour": 6, "minute": 25}
